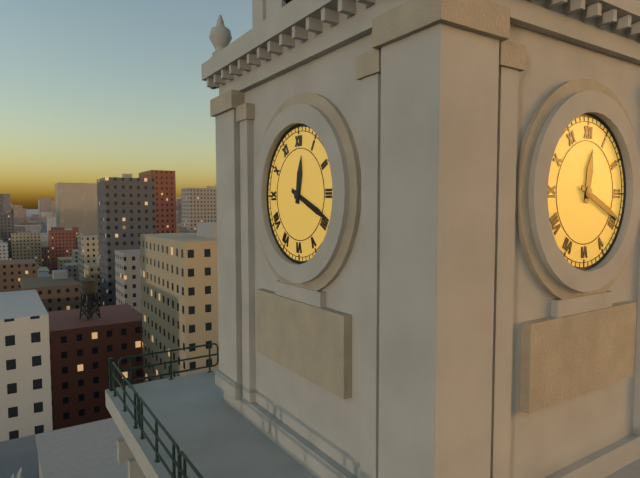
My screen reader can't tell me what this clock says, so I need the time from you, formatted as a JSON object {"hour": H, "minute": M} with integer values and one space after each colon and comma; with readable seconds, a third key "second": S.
{"hour": 12, "minute": 19}
